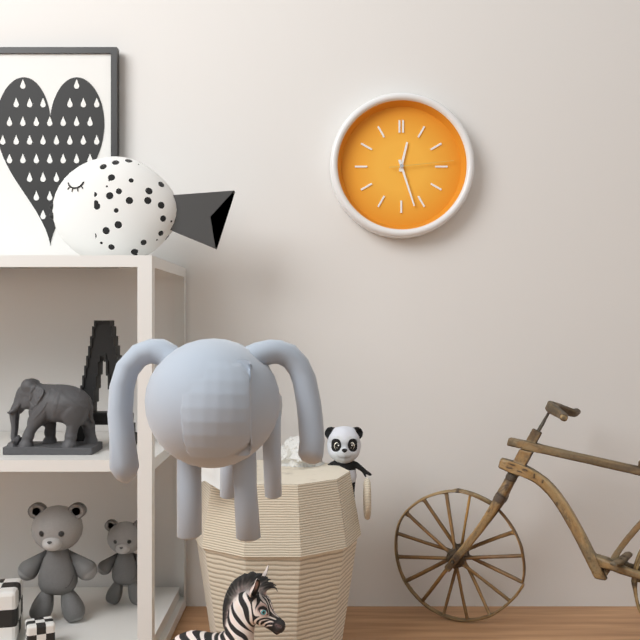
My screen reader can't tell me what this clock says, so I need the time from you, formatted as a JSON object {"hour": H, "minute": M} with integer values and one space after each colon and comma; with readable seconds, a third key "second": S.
{"hour": 12, "minute": 27, "second": 14}
